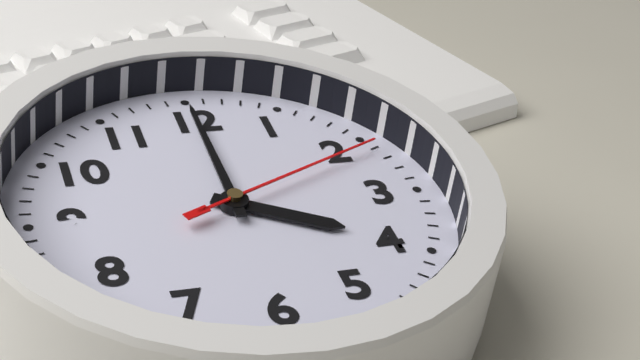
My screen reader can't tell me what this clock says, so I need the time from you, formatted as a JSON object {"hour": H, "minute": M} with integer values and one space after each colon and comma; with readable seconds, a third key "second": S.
{"hour": 4, "minute": 0, "second": 11}
